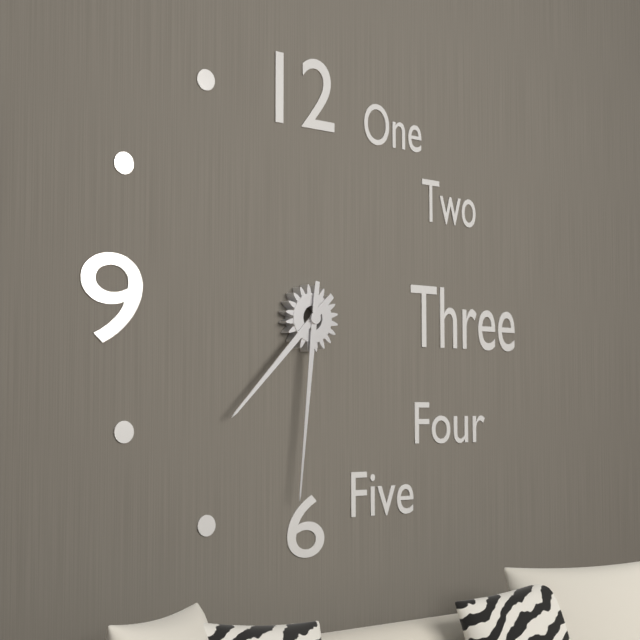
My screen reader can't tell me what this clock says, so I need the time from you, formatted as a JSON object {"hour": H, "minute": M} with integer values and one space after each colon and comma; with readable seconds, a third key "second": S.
{"hour": 7, "minute": 31}
